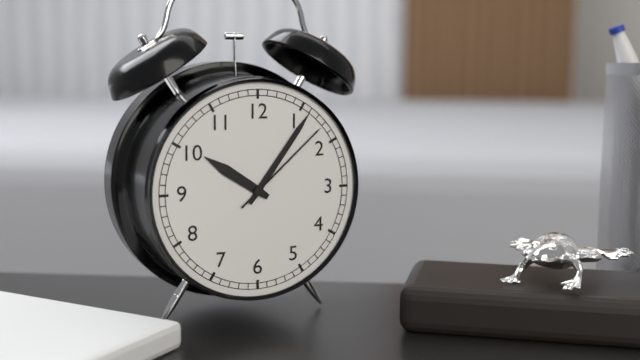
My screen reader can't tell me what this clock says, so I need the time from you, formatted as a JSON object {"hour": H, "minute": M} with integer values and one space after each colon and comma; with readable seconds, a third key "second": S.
{"hour": 10, "minute": 6, "second": 8}
